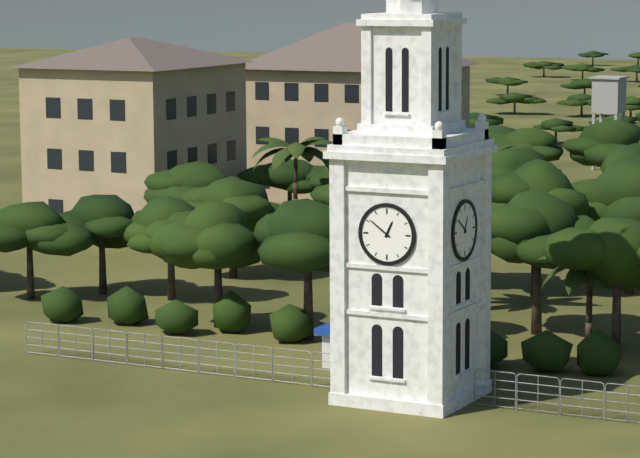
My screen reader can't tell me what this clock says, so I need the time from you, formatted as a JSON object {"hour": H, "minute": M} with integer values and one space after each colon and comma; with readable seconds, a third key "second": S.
{"hour": 12, "minute": 51}
